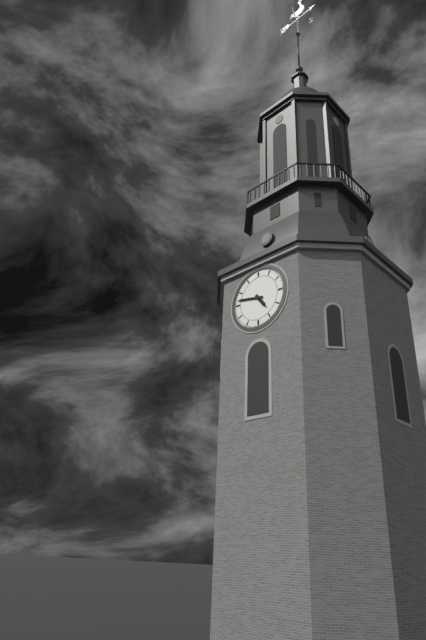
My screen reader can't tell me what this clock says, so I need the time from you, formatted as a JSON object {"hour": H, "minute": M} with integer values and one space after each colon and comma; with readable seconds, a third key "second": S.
{"hour": 4, "minute": 47}
